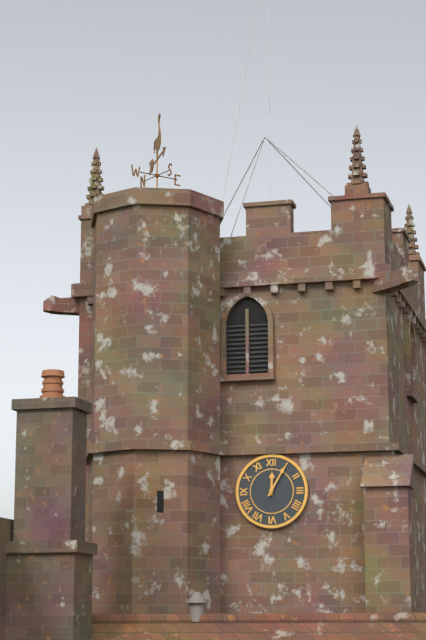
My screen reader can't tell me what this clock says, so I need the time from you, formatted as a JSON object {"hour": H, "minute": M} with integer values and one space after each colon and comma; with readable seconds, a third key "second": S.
{"hour": 12, "minute": 5}
